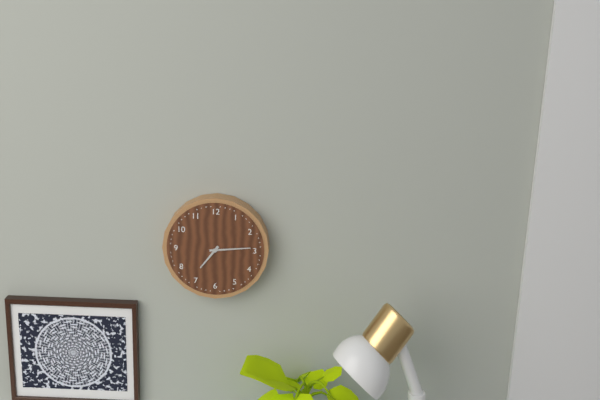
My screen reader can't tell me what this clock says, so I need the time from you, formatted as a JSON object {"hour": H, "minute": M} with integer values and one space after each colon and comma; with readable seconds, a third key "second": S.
{"hour": 7, "minute": 14}
